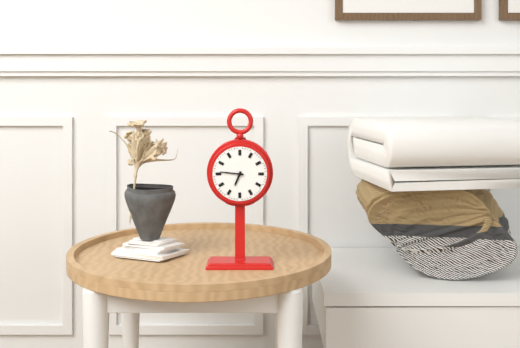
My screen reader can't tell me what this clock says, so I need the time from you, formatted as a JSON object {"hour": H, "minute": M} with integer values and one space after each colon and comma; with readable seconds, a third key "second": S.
{"hour": 6, "minute": 46}
